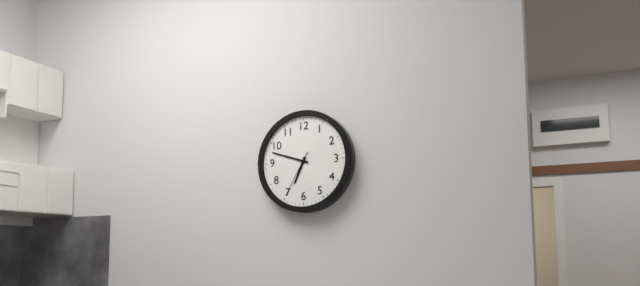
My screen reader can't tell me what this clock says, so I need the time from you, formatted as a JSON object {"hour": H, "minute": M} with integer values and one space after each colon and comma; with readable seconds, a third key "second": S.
{"hour": 6, "minute": 48}
